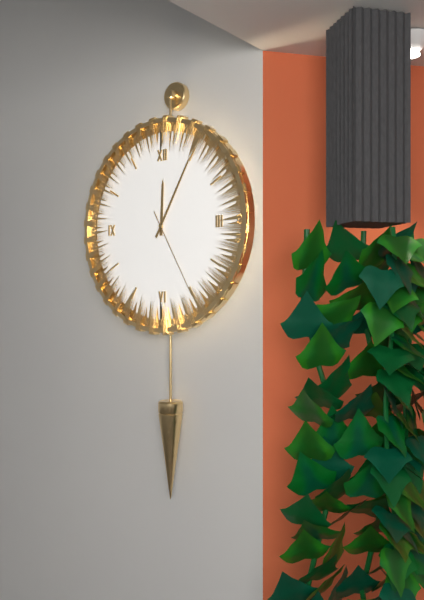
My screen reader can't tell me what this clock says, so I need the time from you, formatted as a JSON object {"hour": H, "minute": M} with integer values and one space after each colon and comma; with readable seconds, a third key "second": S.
{"hour": 12, "minute": 5, "second": 25}
